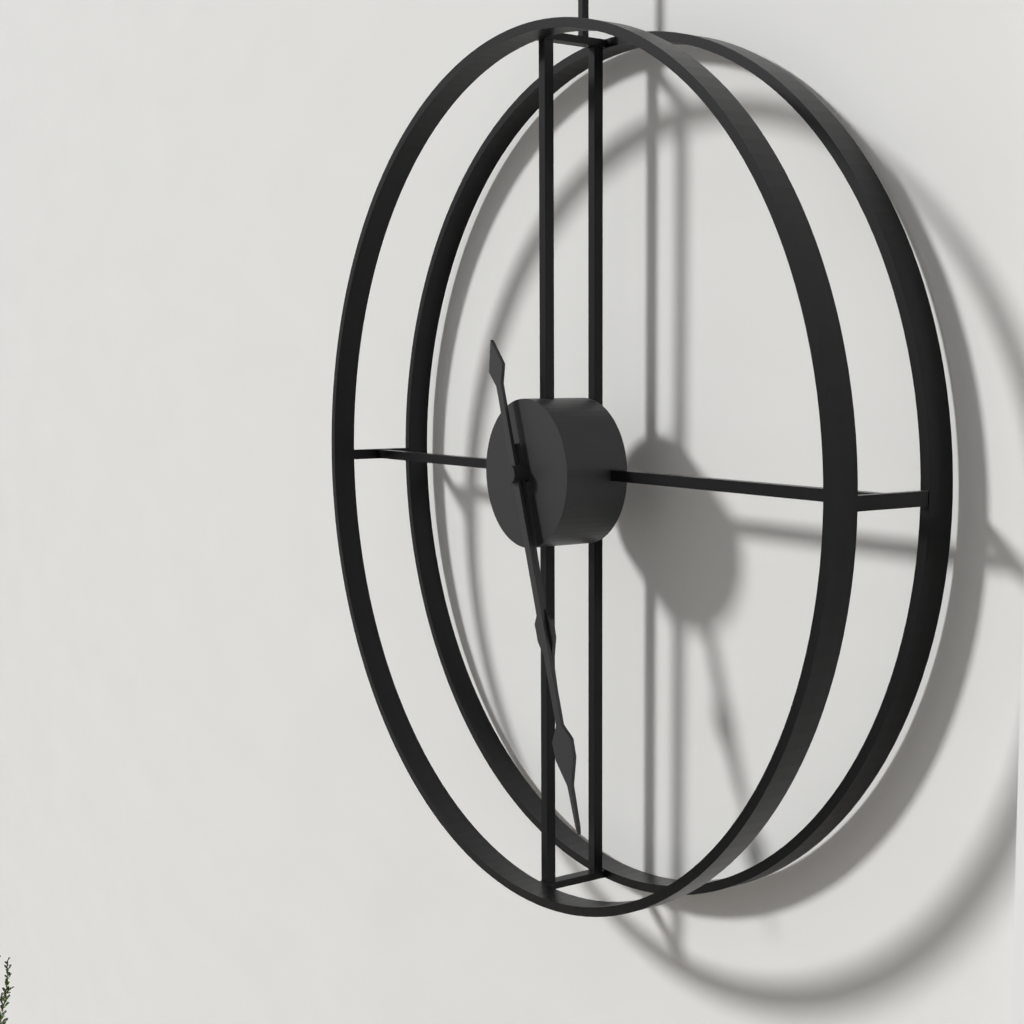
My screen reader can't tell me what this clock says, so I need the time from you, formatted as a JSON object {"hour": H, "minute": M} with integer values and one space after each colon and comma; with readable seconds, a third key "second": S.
{"hour": 5, "minute": 27}
